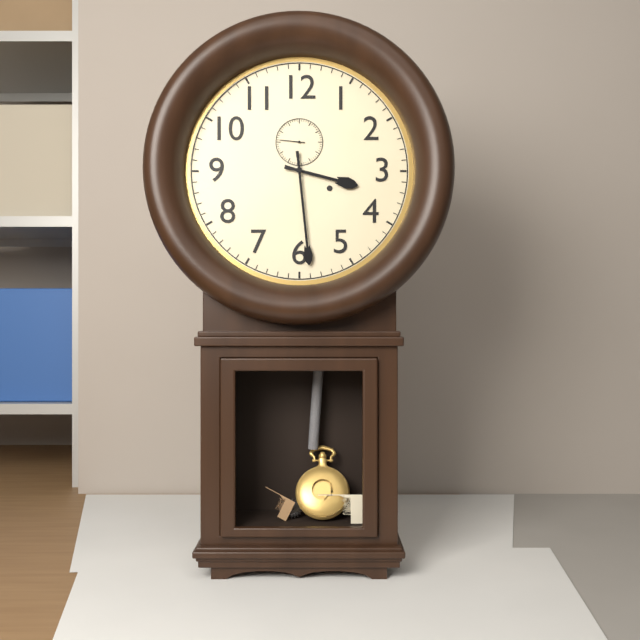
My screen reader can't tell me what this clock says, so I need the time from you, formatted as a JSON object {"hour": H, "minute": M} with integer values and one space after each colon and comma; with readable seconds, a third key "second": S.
{"hour": 3, "minute": 29}
